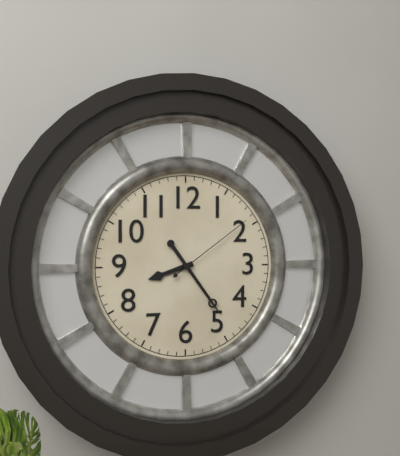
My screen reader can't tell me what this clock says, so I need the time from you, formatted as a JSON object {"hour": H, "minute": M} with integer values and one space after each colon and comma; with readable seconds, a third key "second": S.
{"hour": 8, "minute": 24, "second": 9}
